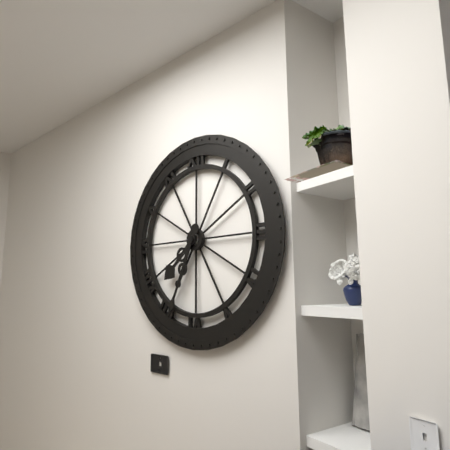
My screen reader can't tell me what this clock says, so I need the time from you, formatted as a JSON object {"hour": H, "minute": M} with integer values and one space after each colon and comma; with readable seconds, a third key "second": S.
{"hour": 7, "minute": 34}
